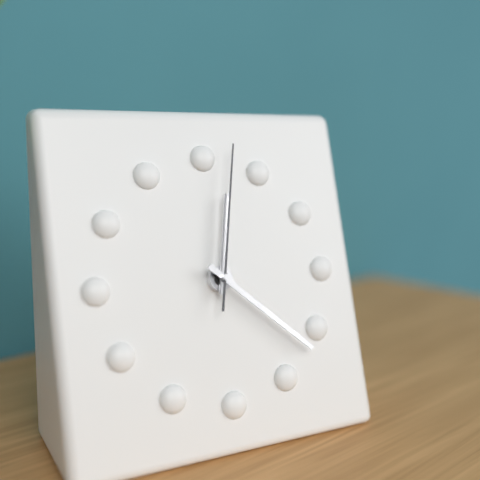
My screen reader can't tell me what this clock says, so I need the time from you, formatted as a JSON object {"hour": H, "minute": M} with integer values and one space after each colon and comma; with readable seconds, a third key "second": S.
{"hour": 12, "minute": 22, "second": 2}
